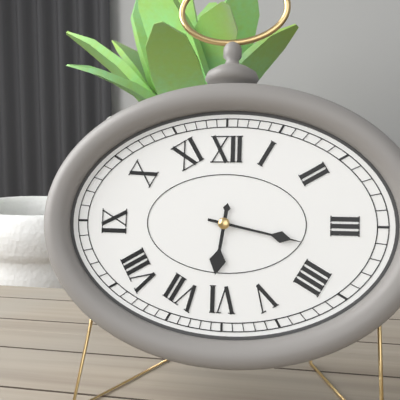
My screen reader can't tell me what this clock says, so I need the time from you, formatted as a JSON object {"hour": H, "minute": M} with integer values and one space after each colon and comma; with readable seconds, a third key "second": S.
{"hour": 6, "minute": 17}
